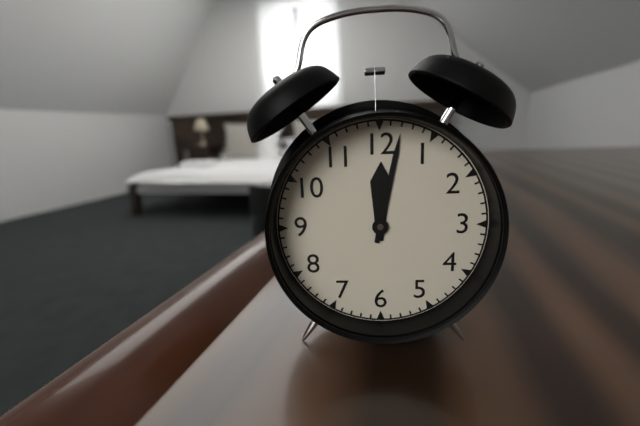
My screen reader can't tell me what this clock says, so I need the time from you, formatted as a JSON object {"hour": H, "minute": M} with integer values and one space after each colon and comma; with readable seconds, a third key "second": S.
{"hour": 12, "minute": 2}
